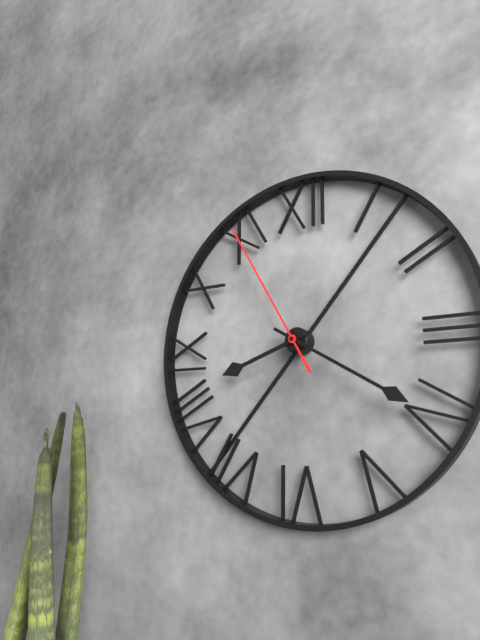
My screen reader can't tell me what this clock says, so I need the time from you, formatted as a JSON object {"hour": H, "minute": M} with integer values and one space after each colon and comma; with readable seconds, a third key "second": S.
{"hour": 8, "minute": 20, "second": 55}
